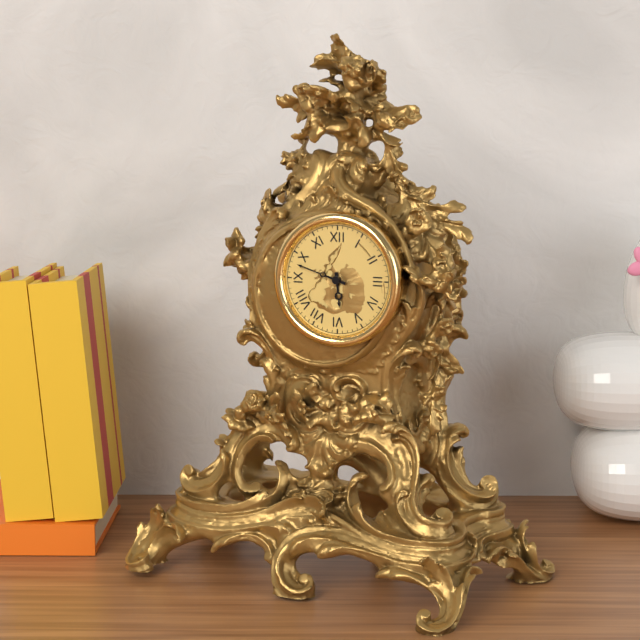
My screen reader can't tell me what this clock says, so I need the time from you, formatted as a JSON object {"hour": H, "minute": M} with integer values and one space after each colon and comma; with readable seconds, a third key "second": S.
{"hour": 5, "minute": 48}
